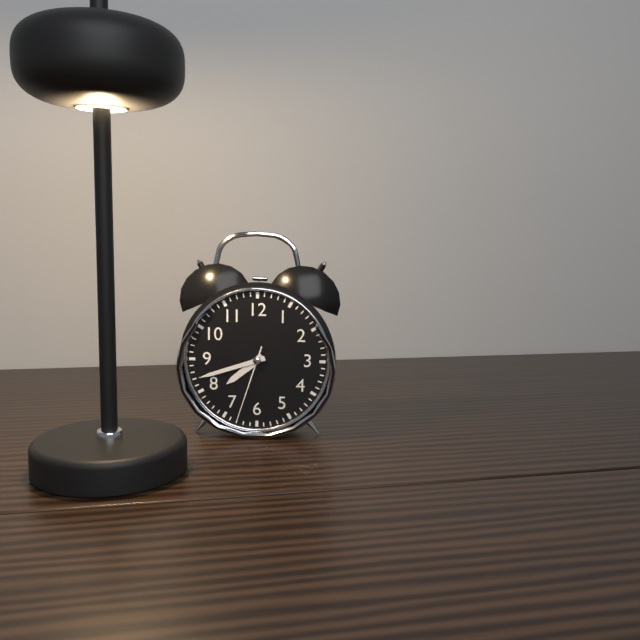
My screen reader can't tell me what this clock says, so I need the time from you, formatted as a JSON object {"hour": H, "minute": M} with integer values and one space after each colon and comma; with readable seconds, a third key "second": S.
{"hour": 7, "minute": 42, "second": 33}
